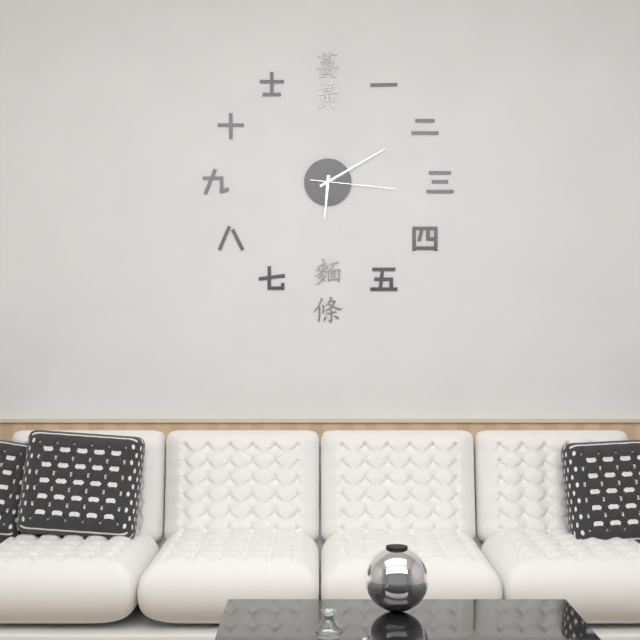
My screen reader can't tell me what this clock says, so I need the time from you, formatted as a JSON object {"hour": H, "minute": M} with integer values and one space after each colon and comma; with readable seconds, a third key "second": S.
{"hour": 6, "minute": 10, "second": 16}
